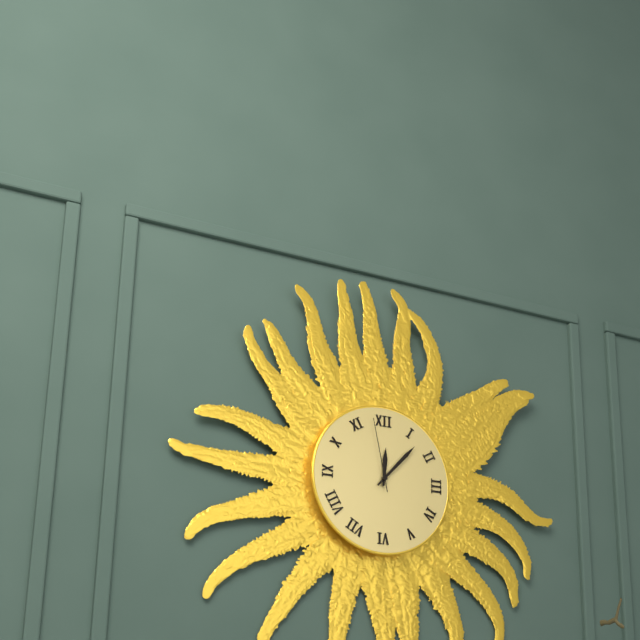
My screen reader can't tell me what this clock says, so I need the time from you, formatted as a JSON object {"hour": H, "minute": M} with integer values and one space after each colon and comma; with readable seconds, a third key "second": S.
{"hour": 12, "minute": 7, "second": 58}
